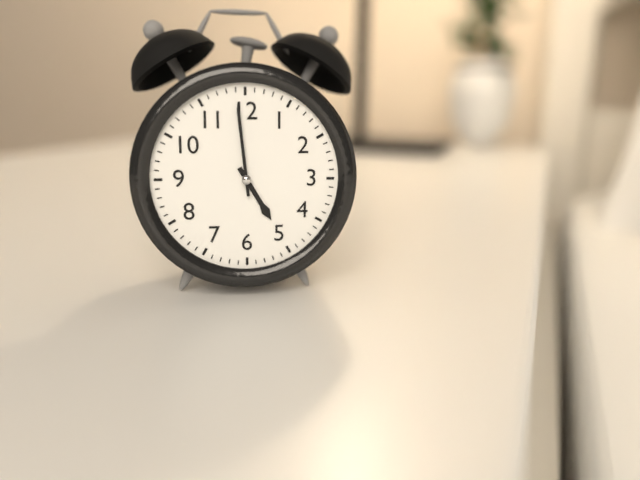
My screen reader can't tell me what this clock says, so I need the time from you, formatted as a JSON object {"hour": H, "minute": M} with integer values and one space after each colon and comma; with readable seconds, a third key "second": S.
{"hour": 4, "minute": 59}
